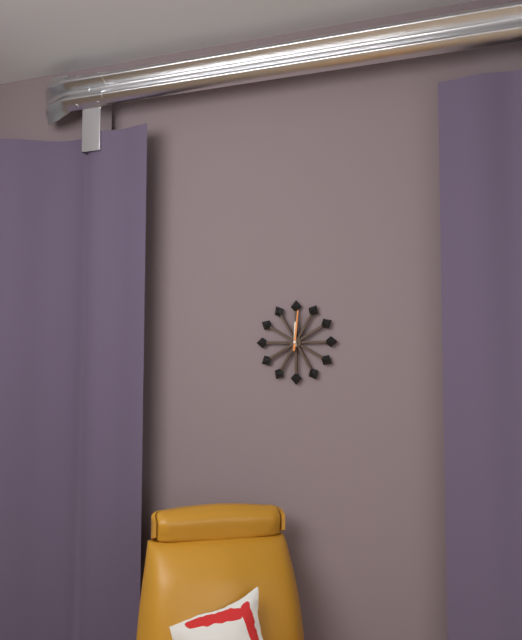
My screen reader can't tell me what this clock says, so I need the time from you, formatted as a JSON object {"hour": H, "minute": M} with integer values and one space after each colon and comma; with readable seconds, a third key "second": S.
{"hour": 12, "minute": 1}
